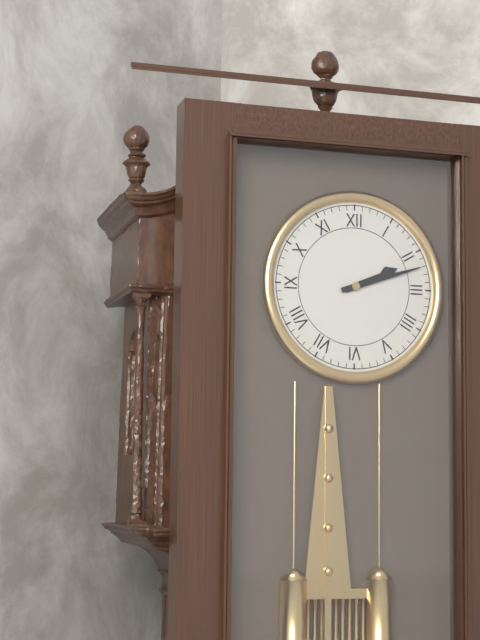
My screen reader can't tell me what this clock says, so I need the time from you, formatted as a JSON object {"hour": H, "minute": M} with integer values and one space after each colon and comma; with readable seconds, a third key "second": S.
{"hour": 2, "minute": 12}
